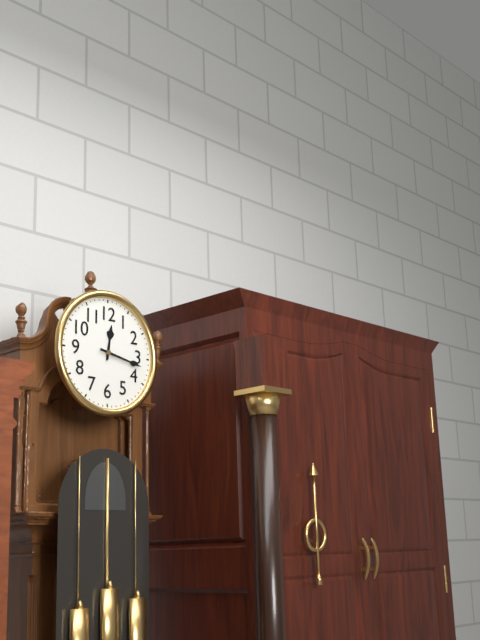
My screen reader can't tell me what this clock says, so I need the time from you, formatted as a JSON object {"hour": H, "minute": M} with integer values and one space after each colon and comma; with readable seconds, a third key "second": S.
{"hour": 12, "minute": 17}
